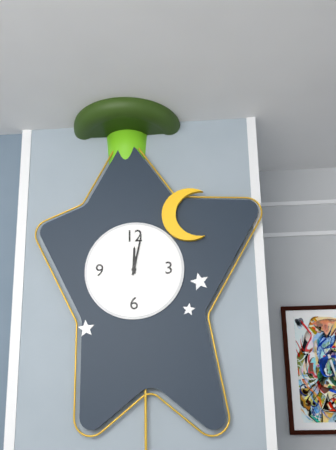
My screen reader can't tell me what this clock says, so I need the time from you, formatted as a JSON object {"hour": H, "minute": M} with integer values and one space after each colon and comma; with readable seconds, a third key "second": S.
{"hour": 12, "minute": 2}
